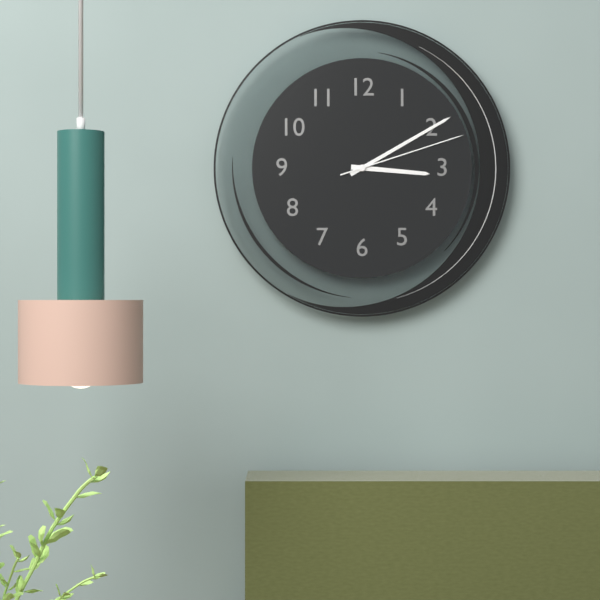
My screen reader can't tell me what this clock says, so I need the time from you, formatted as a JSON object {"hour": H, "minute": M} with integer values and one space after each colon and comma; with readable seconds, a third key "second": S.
{"hour": 3, "minute": 10, "second": 12}
